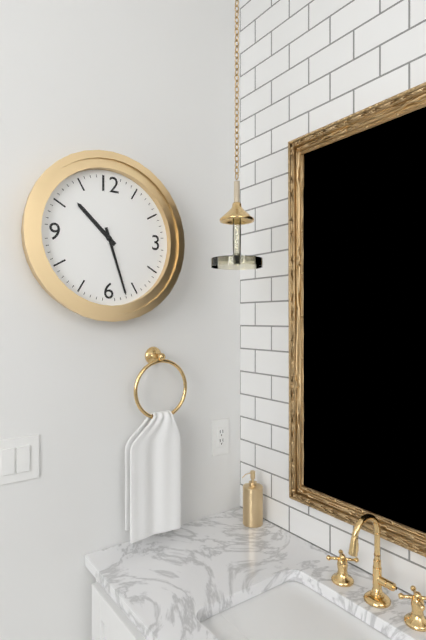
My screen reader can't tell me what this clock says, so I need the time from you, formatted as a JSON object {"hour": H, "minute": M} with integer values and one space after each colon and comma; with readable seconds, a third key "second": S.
{"hour": 10, "minute": 27}
